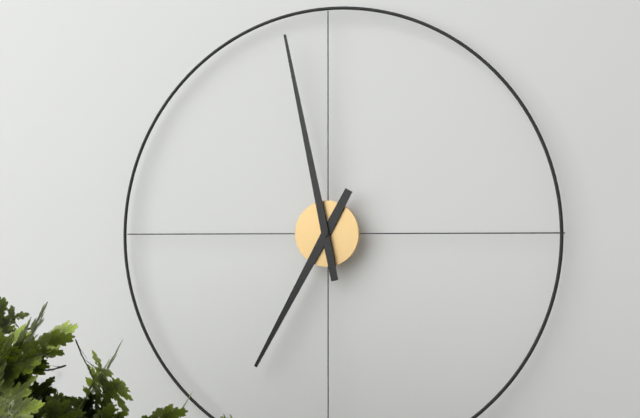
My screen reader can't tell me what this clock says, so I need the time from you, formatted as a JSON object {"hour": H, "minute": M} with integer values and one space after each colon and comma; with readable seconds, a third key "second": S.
{"hour": 6, "minute": 58}
